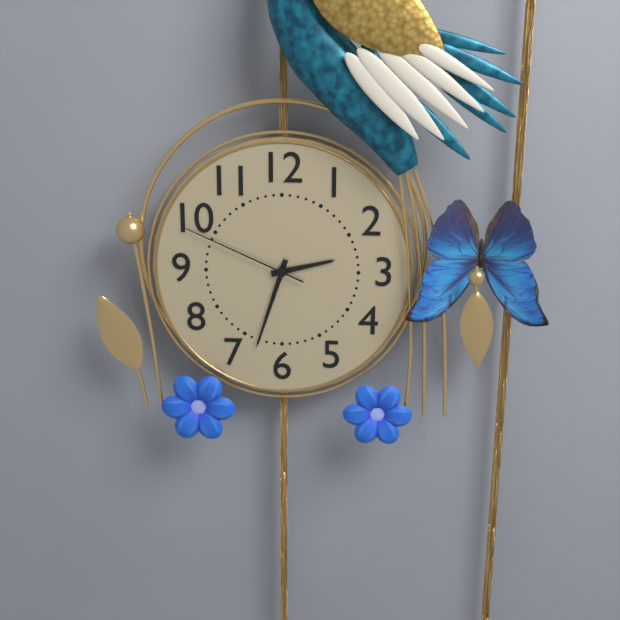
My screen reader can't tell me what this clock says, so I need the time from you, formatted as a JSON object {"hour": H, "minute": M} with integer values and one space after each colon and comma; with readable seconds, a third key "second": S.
{"hour": 2, "minute": 33, "second": 49}
